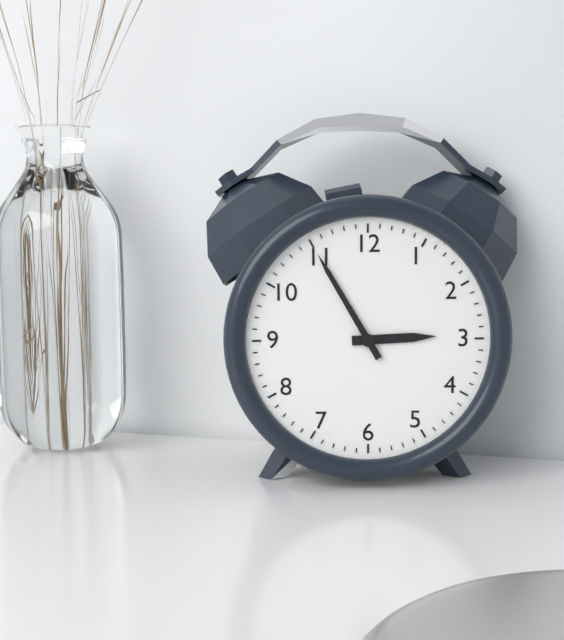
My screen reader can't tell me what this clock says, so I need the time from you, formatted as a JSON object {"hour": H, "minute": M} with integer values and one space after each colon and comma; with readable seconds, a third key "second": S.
{"hour": 2, "minute": 55}
